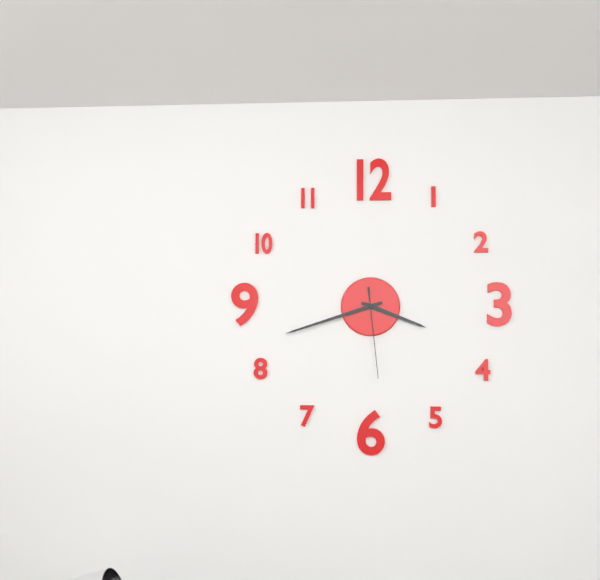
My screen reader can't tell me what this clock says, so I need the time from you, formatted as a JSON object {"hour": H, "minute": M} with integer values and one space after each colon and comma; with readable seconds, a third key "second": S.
{"hour": 3, "minute": 42, "second": 29}
